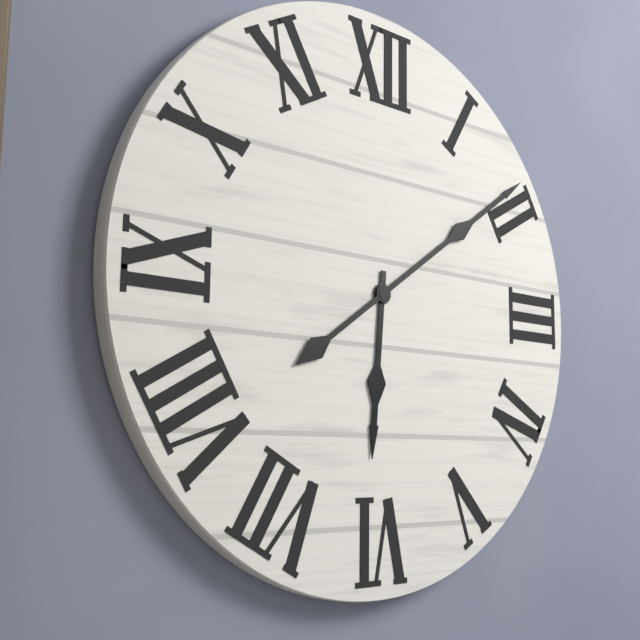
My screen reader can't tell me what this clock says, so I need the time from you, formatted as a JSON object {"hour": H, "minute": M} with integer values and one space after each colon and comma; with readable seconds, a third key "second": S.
{"hour": 6, "minute": 9}
